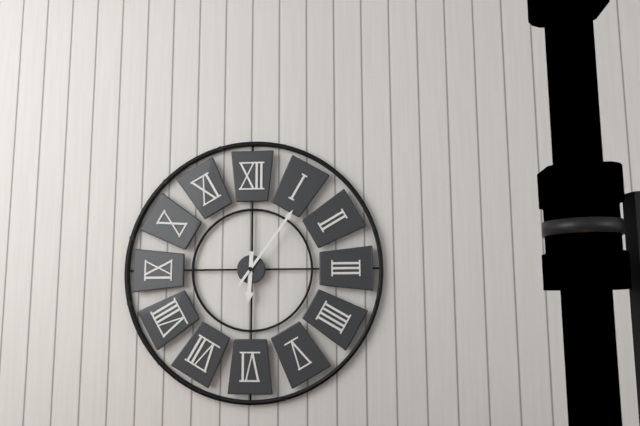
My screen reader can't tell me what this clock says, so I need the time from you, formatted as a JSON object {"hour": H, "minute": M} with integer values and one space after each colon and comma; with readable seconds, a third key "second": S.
{"hour": 6, "minute": 6}
